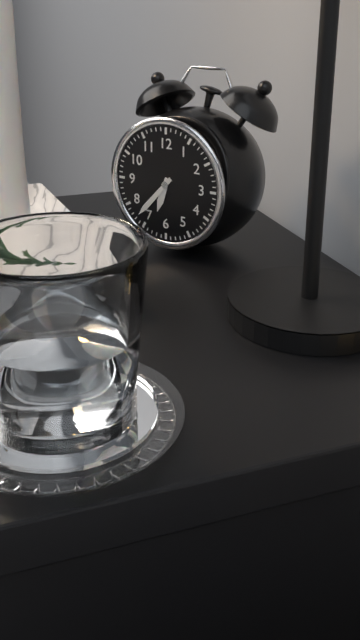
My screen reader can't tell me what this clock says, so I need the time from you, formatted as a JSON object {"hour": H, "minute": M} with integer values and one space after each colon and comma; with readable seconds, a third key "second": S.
{"hour": 6, "minute": 37}
